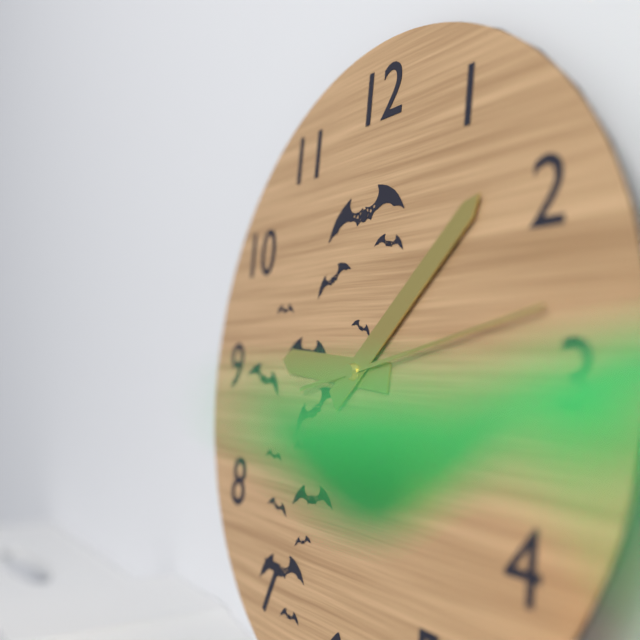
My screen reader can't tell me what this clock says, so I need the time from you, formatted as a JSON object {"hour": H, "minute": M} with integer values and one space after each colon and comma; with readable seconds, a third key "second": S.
{"hour": 9, "minute": 8, "second": 13}
